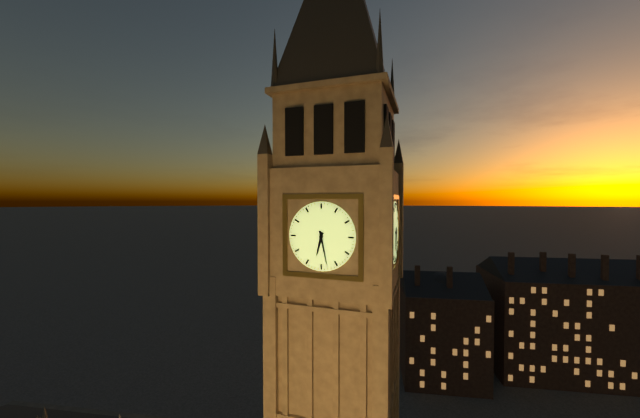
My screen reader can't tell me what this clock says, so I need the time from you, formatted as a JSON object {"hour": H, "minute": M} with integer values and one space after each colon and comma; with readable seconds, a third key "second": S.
{"hour": 6, "minute": 28}
